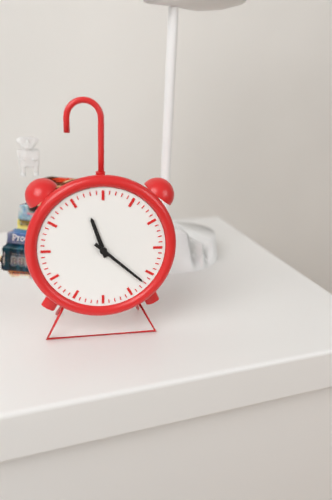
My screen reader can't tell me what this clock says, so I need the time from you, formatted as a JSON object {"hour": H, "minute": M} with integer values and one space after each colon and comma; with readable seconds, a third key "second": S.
{"hour": 11, "minute": 22}
